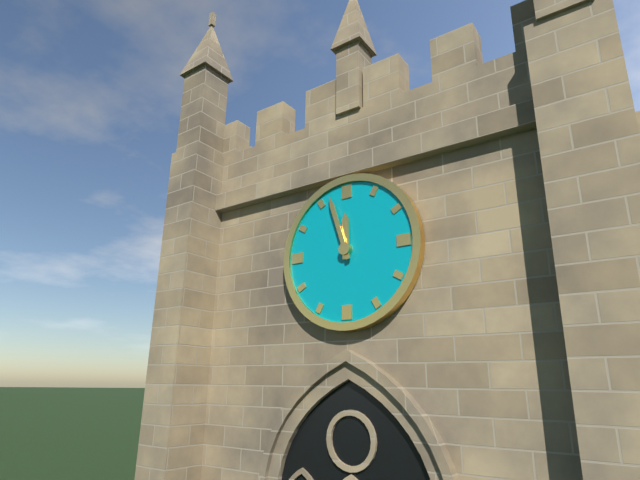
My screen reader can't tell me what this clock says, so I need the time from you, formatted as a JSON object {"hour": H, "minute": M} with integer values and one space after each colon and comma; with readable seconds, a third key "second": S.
{"hour": 11, "minute": 57}
